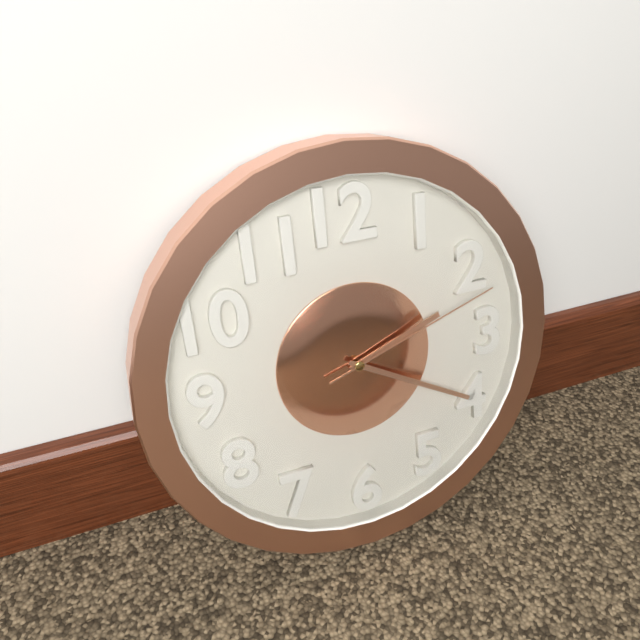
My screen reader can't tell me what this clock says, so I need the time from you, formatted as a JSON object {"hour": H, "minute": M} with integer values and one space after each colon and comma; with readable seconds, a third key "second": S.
{"hour": 2, "minute": 20, "second": 12}
